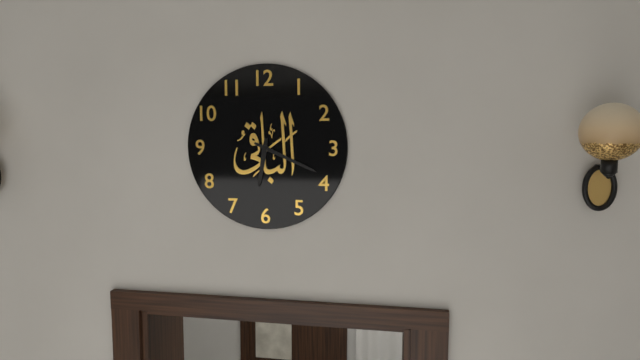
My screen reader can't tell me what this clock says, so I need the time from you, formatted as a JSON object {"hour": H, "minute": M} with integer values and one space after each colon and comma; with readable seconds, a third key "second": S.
{"hour": 6, "minute": 19}
